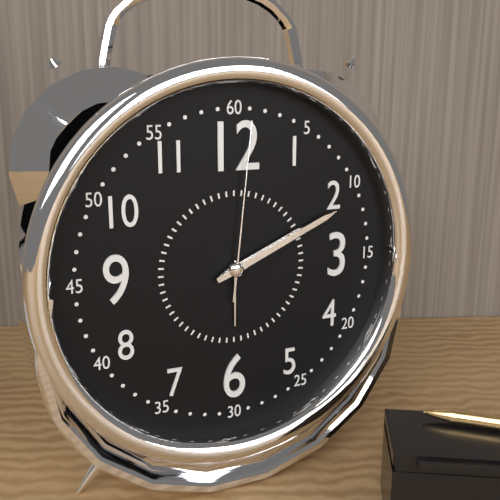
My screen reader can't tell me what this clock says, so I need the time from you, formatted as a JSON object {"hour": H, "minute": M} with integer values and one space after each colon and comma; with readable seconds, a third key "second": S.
{"hour": 2, "minute": 11, "second": 1}
